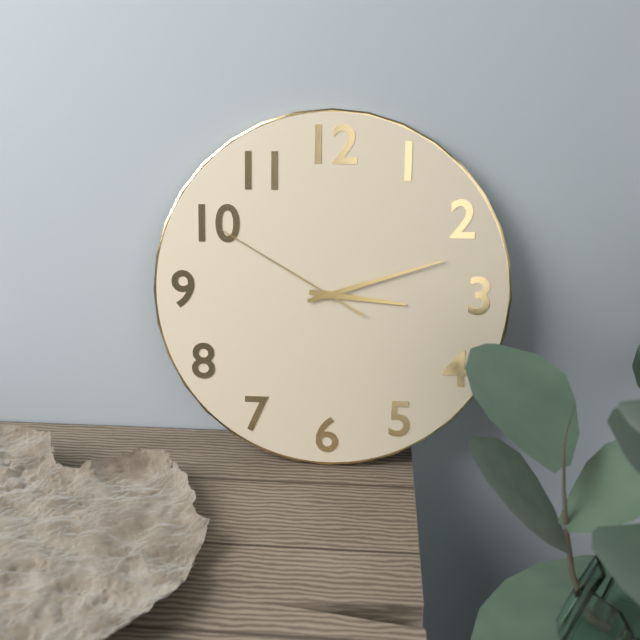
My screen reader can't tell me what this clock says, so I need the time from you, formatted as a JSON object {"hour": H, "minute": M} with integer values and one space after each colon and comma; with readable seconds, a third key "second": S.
{"hour": 3, "minute": 12, "second": 50}
